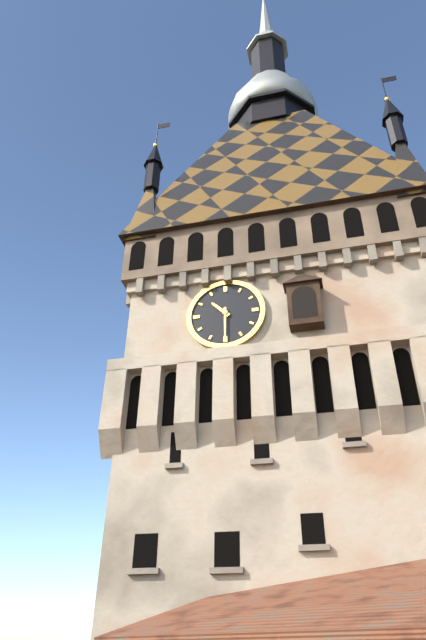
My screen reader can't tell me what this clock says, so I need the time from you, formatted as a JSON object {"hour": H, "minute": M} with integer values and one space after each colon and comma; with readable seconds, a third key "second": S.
{"hour": 10, "minute": 30}
